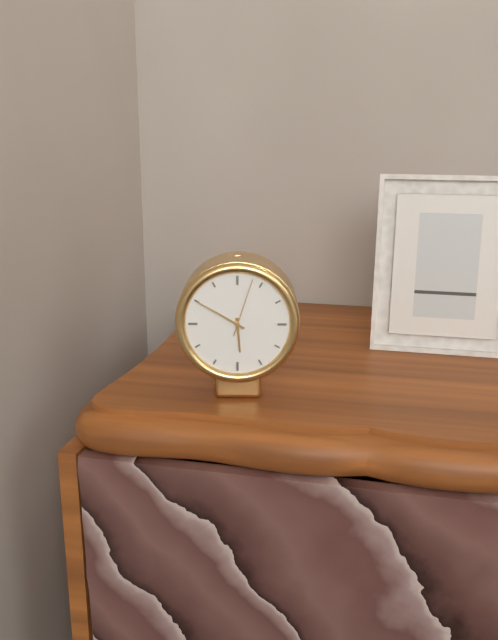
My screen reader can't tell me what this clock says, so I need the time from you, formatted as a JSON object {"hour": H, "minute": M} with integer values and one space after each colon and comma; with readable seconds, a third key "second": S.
{"hour": 5, "minute": 50}
